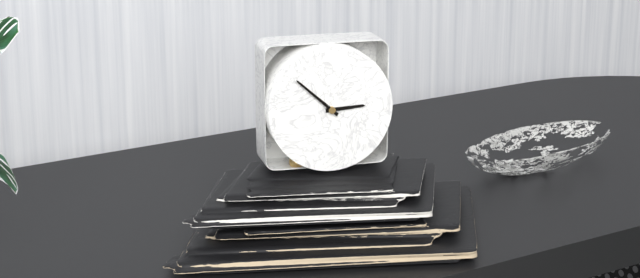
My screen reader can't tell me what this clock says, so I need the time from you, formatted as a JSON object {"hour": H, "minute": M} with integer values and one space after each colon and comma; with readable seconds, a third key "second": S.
{"hour": 2, "minute": 52}
